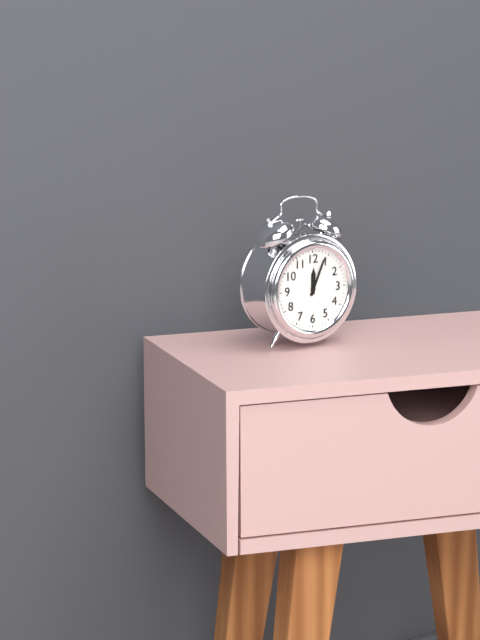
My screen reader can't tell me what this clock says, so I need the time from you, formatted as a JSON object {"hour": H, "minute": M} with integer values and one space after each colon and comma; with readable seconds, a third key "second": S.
{"hour": 12, "minute": 4}
